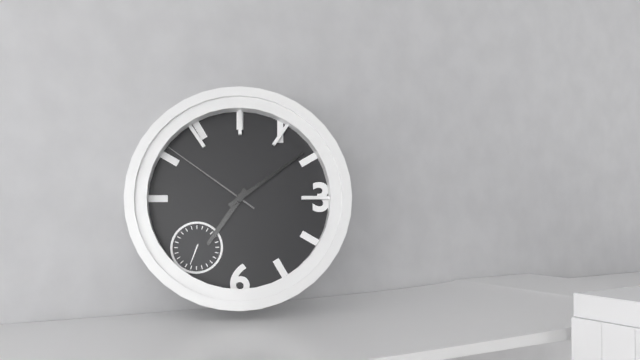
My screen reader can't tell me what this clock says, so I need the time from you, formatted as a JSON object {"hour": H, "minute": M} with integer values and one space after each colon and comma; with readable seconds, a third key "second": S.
{"hour": 7, "minute": 9, "second": 51}
